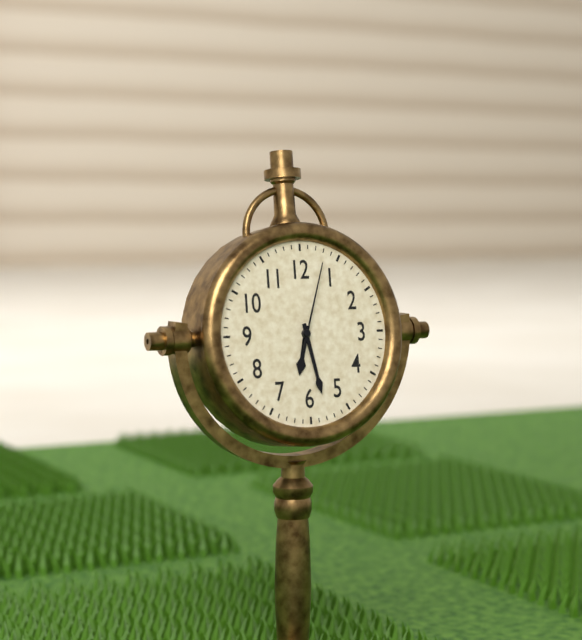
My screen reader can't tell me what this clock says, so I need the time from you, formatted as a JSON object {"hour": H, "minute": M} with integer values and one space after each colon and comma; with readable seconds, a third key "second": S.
{"hour": 6, "minute": 28, "second": 3}
